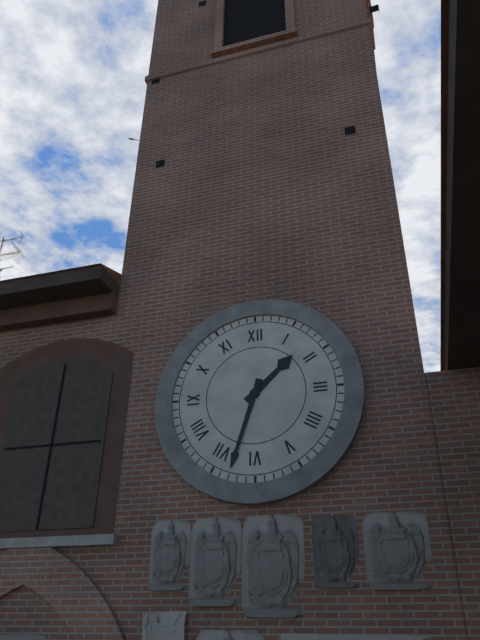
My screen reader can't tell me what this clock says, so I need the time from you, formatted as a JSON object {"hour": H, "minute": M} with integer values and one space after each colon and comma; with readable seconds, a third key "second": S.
{"hour": 1, "minute": 33}
